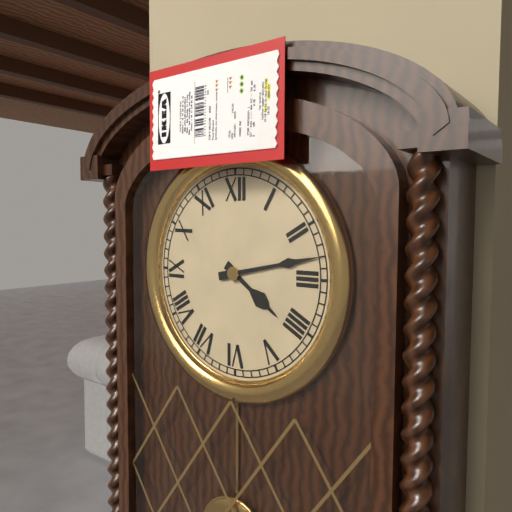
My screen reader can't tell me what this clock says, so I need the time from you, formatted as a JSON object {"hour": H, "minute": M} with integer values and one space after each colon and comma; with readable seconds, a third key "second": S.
{"hour": 4, "minute": 13}
